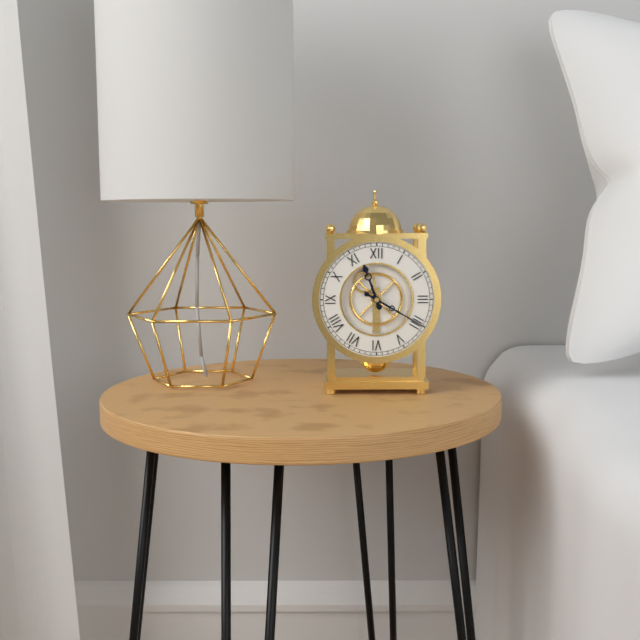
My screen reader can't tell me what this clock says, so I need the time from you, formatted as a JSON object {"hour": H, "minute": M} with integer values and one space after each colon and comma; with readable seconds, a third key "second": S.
{"hour": 11, "minute": 20}
